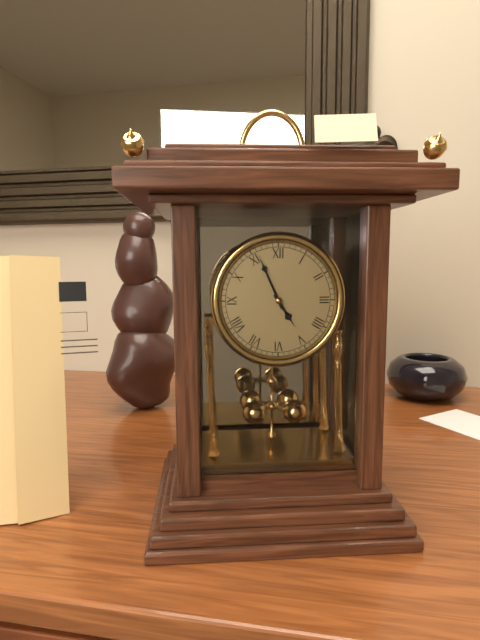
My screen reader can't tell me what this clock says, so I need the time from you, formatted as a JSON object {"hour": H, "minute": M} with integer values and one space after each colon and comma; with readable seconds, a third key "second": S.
{"hour": 4, "minute": 56}
